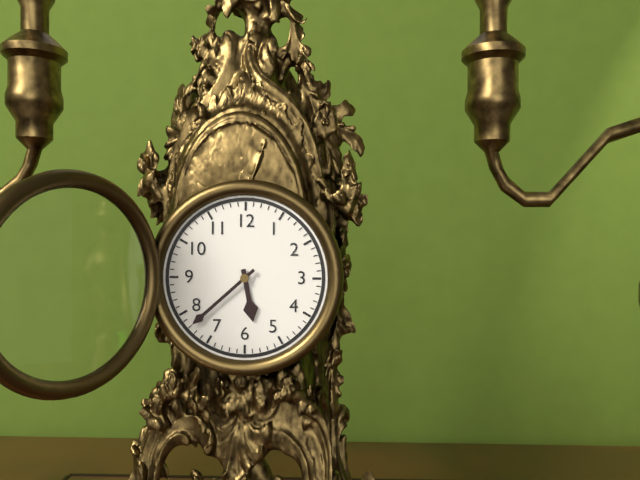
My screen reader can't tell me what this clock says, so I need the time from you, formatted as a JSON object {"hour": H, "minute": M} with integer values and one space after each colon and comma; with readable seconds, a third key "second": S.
{"hour": 5, "minute": 38}
